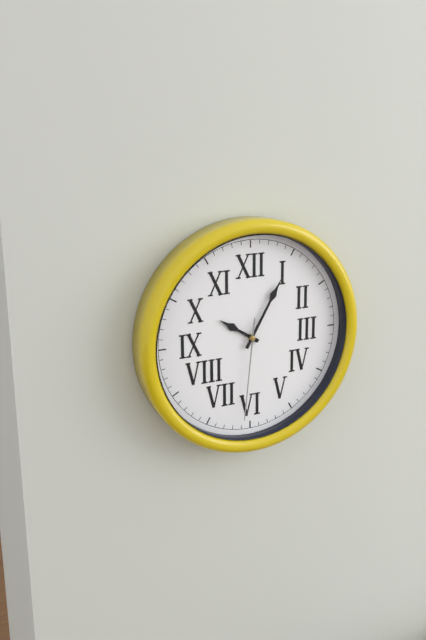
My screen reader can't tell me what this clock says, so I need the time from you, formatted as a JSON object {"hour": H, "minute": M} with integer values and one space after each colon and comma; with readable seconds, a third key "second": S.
{"hour": 10, "minute": 5, "second": 31}
